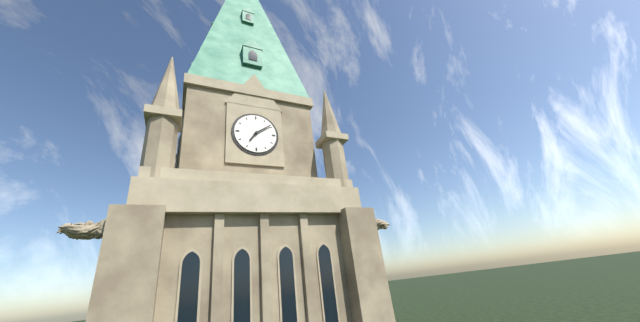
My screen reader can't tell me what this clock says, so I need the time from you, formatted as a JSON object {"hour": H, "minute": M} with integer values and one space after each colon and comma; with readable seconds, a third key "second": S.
{"hour": 7, "minute": 9}
